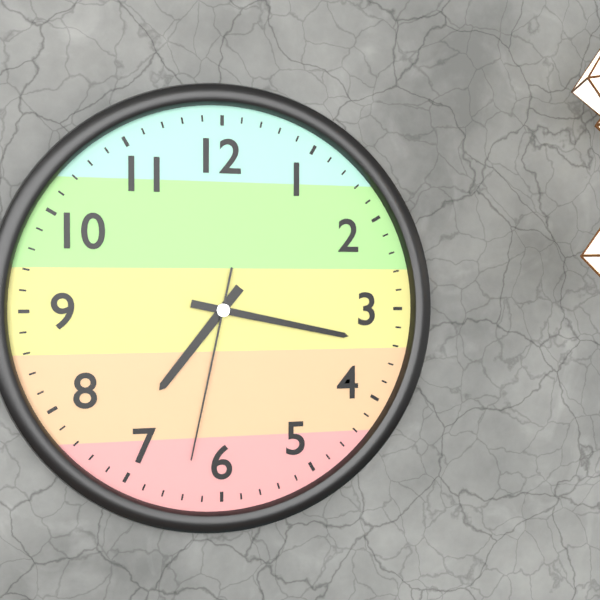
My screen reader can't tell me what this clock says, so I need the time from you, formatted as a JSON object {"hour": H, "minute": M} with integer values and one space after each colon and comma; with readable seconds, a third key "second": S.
{"hour": 7, "minute": 17, "second": 32}
